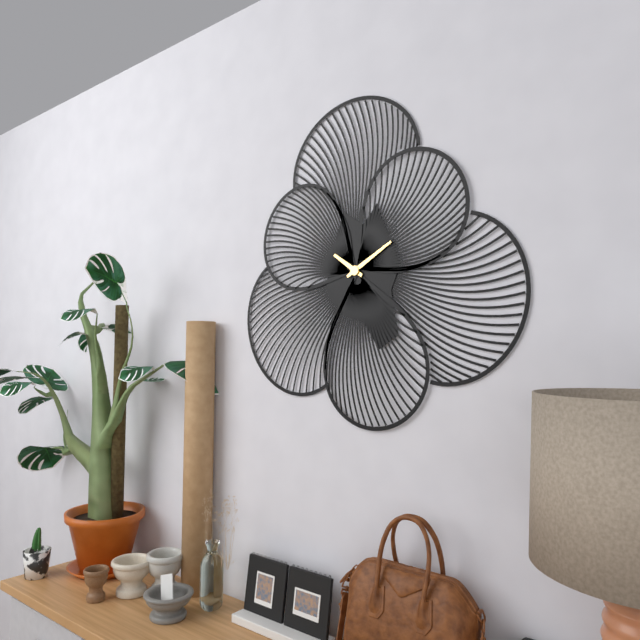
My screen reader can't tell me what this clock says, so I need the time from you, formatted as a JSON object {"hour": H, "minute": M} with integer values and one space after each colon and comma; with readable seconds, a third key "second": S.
{"hour": 10, "minute": 10}
